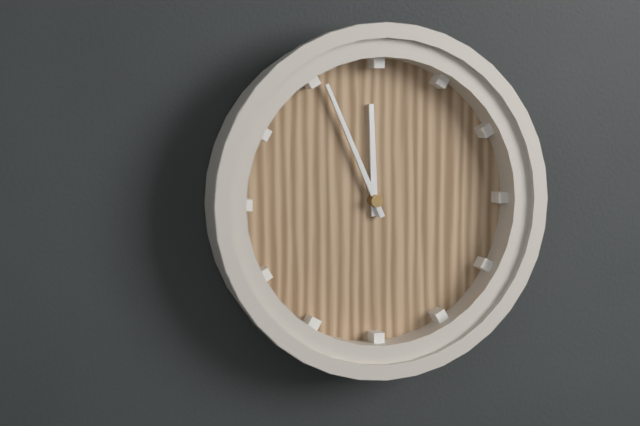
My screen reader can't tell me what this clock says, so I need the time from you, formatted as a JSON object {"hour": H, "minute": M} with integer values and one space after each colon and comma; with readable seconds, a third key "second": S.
{"hour": 11, "minute": 56}
